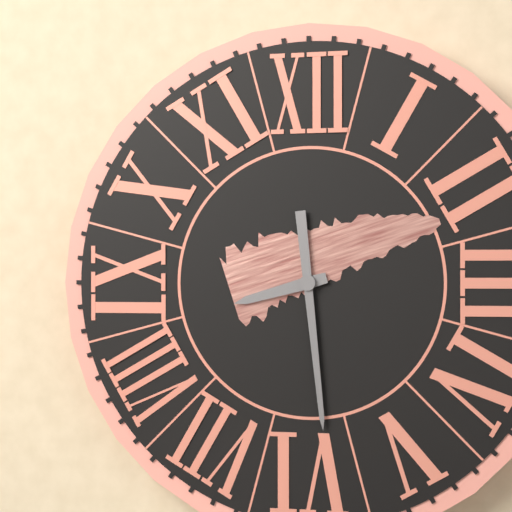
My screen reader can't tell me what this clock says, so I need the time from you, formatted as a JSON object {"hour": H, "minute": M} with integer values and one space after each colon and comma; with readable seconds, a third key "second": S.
{"hour": 8, "minute": 29}
